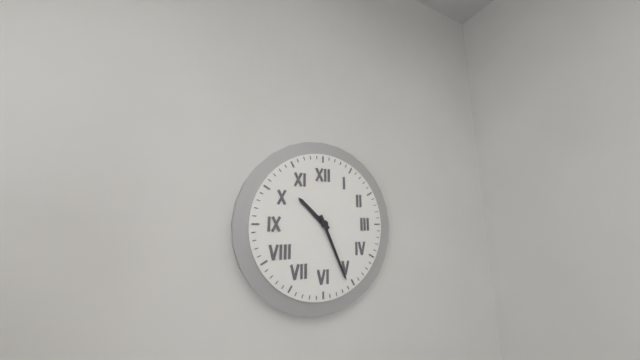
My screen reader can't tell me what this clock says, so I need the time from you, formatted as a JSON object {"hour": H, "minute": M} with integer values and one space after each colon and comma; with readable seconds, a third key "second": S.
{"hour": 10, "minute": 26}
